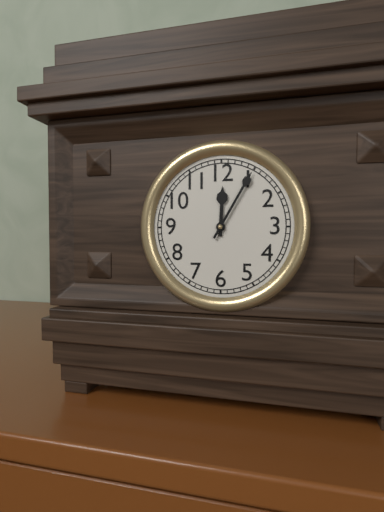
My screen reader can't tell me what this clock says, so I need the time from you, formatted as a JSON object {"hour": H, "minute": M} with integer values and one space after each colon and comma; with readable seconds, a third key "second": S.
{"hour": 12, "minute": 5}
